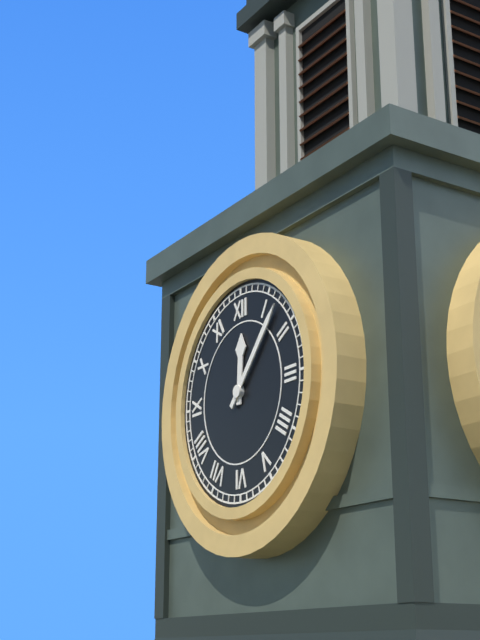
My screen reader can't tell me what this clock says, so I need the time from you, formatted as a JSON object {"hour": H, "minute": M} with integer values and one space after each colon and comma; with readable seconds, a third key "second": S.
{"hour": 12, "minute": 7}
